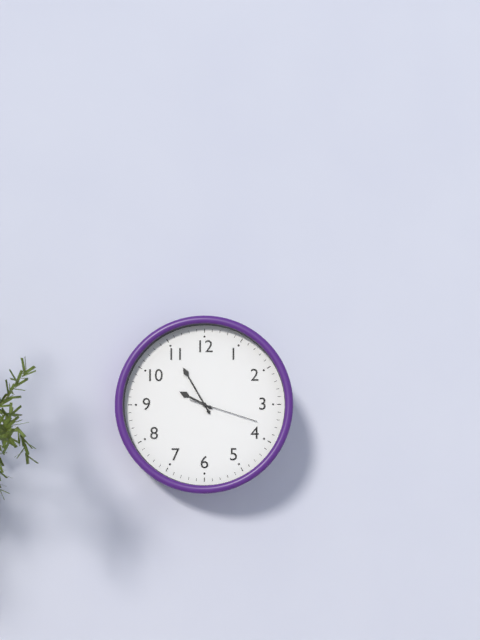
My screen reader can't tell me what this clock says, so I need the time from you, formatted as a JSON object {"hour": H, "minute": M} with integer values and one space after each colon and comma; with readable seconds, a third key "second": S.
{"hour": 9, "minute": 55, "second": 18}
